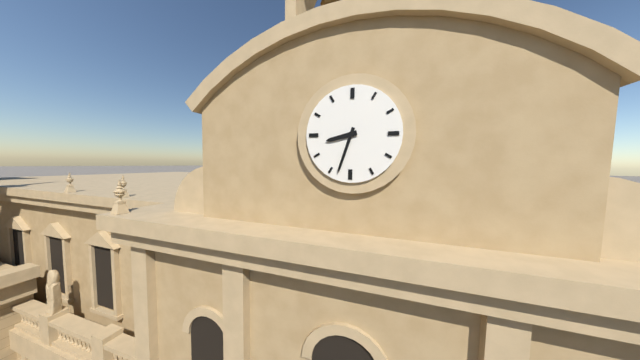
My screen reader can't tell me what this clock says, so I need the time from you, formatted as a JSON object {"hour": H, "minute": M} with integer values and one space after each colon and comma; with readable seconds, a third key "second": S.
{"hour": 8, "minute": 33}
